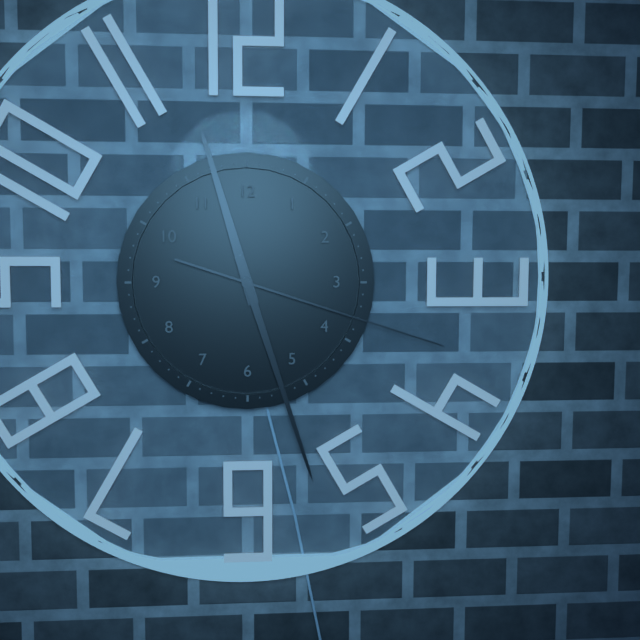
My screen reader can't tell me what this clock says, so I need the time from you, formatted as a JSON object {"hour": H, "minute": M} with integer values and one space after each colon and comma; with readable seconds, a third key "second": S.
{"hour": 11, "minute": 27, "second": 18}
